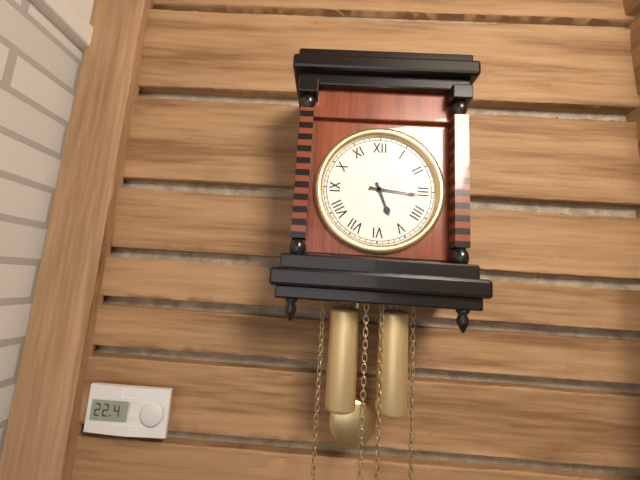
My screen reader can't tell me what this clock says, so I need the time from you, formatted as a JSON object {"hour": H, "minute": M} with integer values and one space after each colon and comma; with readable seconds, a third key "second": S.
{"hour": 5, "minute": 16}
